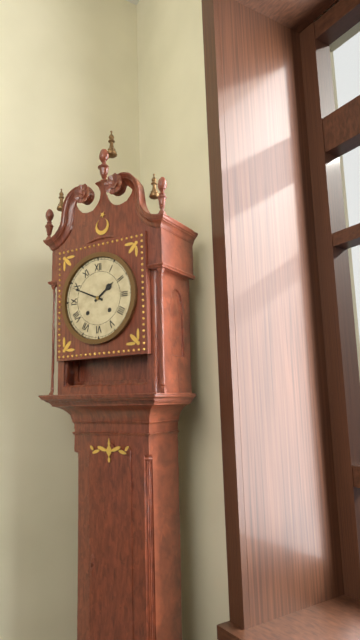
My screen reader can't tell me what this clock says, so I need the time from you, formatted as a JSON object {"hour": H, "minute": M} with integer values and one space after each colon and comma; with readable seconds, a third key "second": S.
{"hour": 1, "minute": 49}
